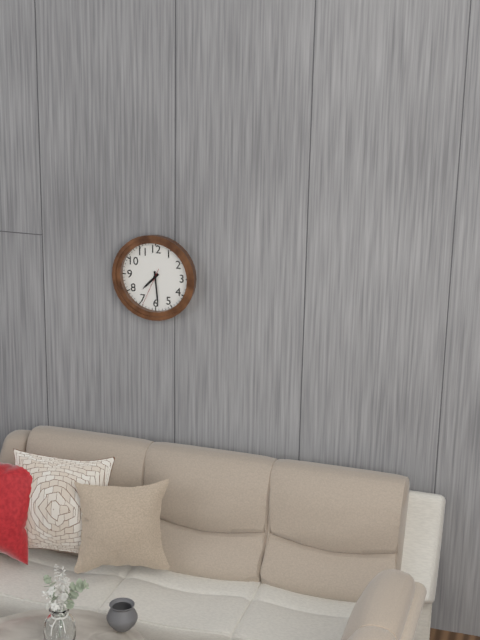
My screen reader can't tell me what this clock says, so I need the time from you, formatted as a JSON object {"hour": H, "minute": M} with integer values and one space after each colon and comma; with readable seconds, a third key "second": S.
{"hour": 7, "minute": 29}
